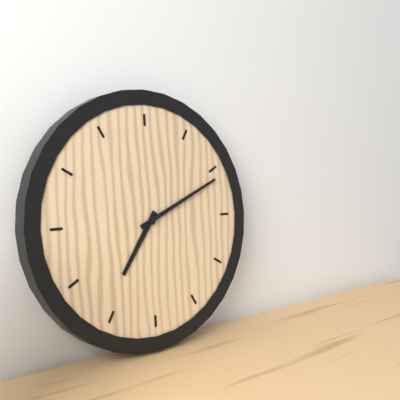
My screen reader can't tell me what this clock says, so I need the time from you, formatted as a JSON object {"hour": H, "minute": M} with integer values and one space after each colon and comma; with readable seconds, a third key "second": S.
{"hour": 7, "minute": 11}
